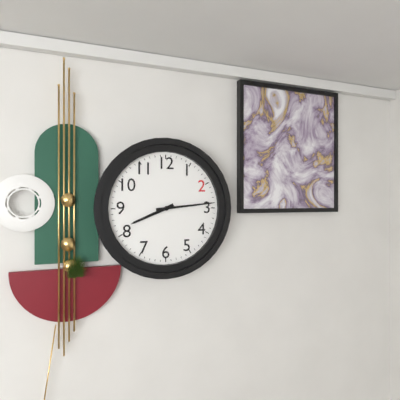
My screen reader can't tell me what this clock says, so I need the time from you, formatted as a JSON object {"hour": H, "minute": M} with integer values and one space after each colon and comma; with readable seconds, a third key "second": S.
{"hour": 8, "minute": 14}
